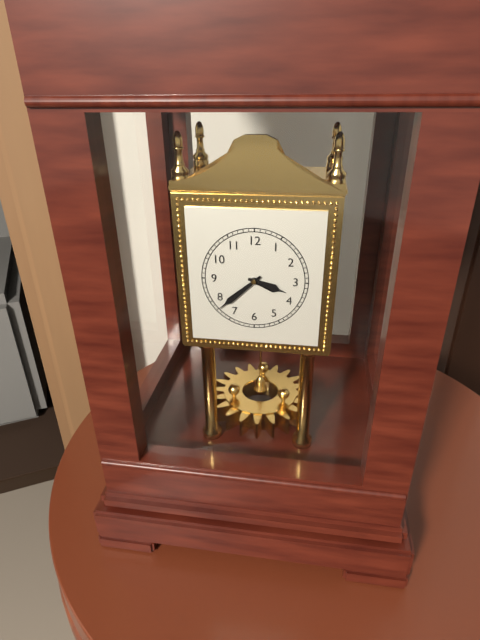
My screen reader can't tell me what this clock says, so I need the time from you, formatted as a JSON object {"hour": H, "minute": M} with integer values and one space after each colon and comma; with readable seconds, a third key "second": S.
{"hour": 3, "minute": 38}
